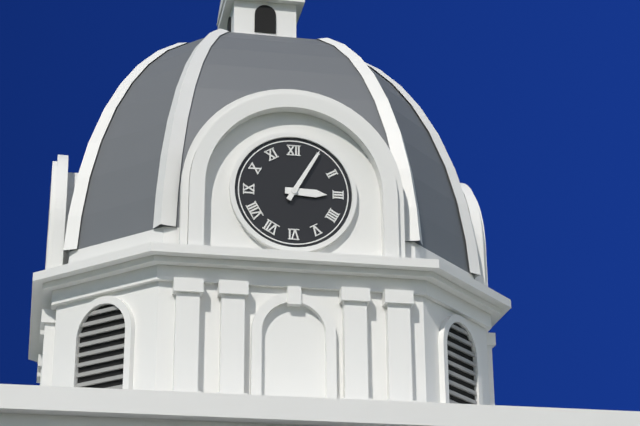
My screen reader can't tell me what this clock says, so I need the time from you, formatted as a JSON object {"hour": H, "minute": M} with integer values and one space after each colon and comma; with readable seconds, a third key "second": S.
{"hour": 3, "minute": 5}
